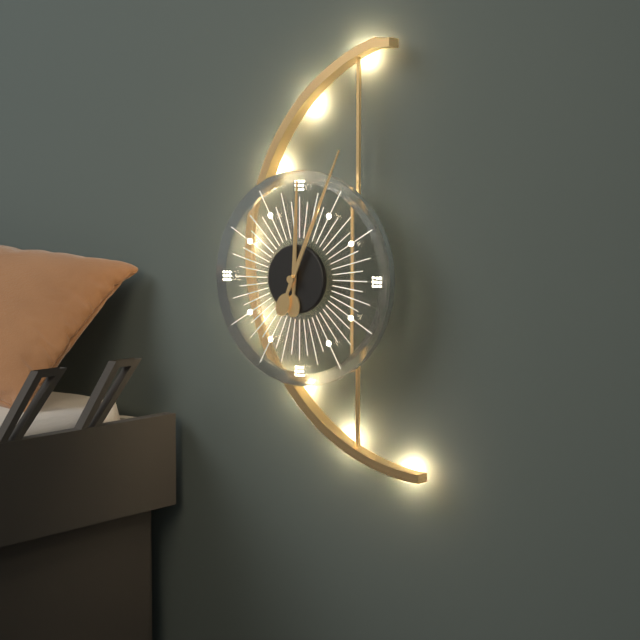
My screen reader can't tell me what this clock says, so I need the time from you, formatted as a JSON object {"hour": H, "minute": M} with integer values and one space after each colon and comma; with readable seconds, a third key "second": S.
{"hour": 12, "minute": 4}
